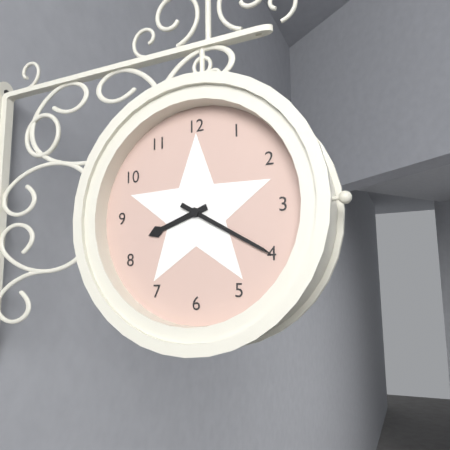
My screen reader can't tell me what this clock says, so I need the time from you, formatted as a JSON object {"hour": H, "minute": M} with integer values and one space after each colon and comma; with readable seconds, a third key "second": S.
{"hour": 8, "minute": 20}
